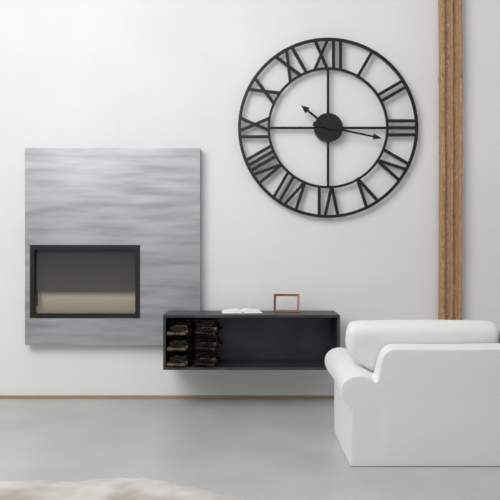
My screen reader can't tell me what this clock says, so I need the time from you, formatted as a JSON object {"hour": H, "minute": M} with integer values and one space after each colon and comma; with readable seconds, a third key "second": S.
{"hour": 10, "minute": 17}
